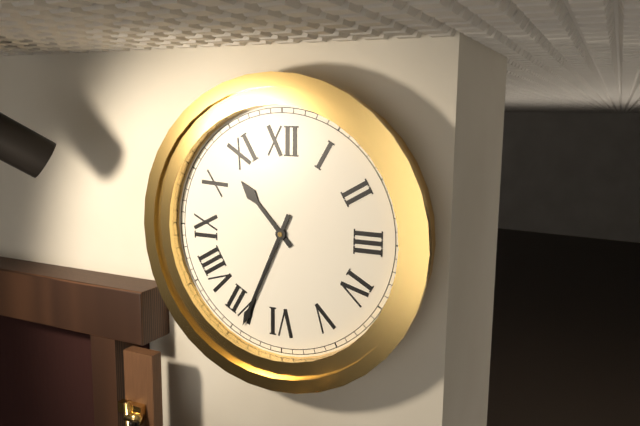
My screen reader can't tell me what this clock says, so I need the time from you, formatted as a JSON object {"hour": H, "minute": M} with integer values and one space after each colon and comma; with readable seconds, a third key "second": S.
{"hour": 10, "minute": 34}
